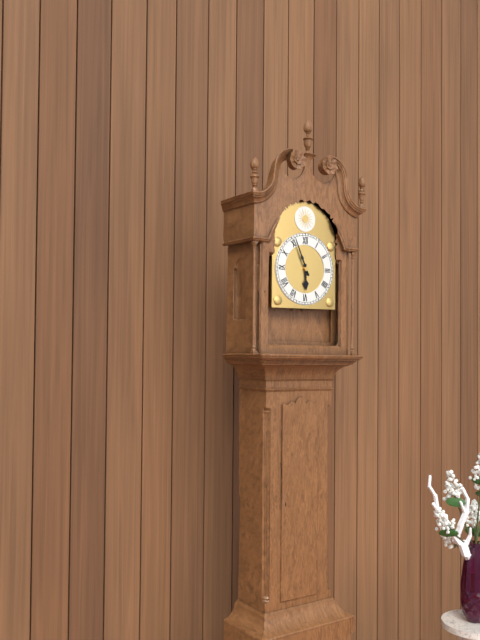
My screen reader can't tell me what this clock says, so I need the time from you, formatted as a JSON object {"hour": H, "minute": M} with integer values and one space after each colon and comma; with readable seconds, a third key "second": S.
{"hour": 5, "minute": 56}
